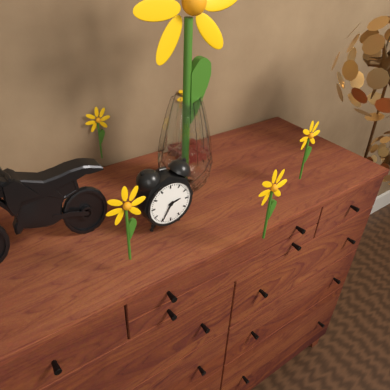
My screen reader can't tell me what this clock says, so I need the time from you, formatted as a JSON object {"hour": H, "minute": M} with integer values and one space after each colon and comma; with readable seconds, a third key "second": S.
{"hour": 2, "minute": 35}
